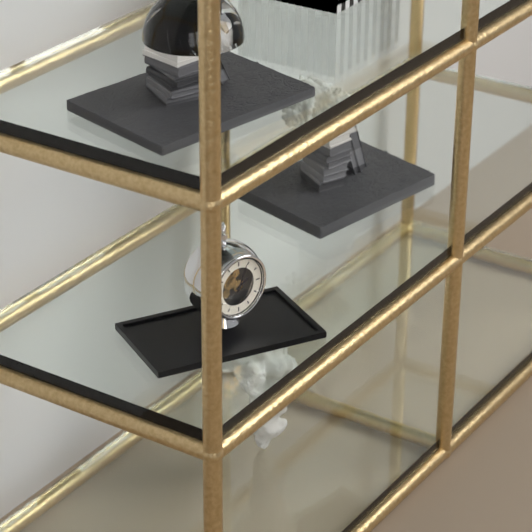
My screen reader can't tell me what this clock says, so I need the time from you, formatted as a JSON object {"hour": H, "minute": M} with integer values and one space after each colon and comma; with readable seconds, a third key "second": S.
{"hour": 2, "minute": 4}
